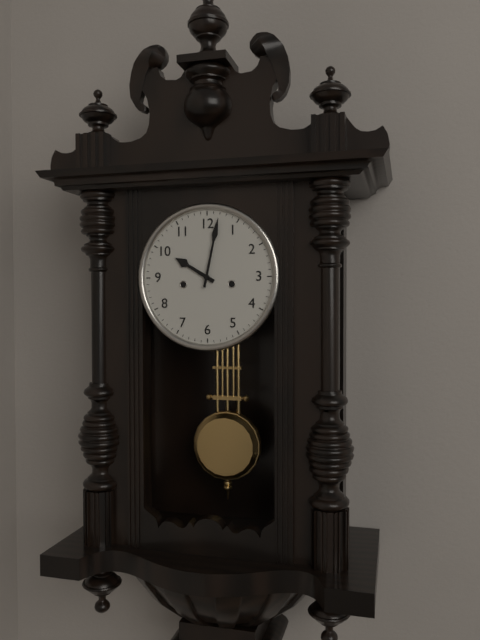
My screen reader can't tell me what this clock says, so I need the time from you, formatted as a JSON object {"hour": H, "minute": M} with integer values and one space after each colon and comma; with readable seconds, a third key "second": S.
{"hour": 10, "minute": 2}
